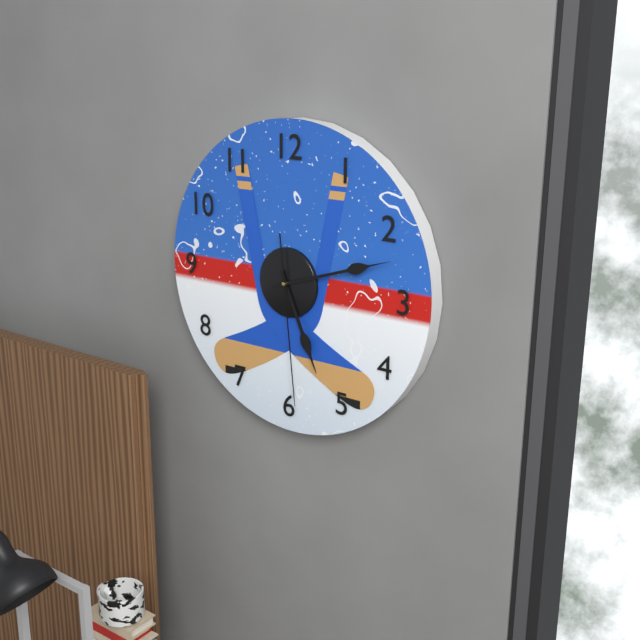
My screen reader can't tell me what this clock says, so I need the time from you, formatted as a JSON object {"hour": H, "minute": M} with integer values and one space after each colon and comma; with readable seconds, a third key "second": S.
{"hour": 5, "minute": 12, "second": 29}
